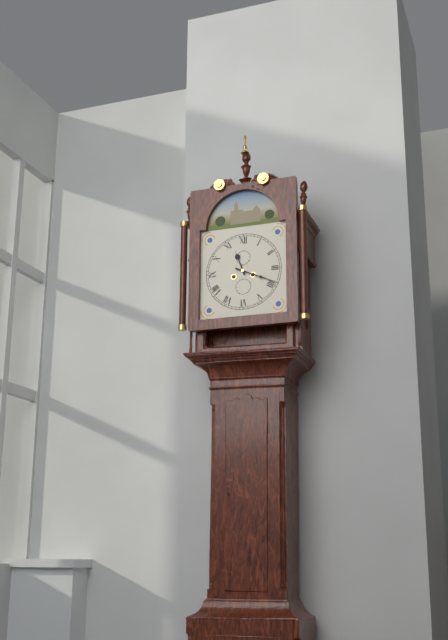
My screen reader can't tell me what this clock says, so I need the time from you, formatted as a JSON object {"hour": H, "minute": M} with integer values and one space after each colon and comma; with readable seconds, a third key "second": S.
{"hour": 11, "minute": 19}
